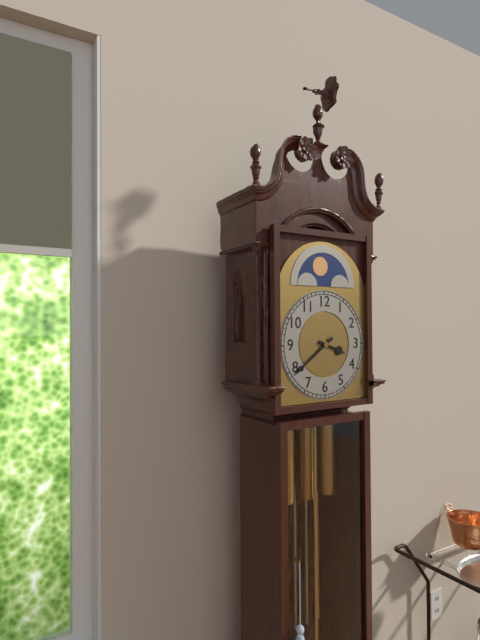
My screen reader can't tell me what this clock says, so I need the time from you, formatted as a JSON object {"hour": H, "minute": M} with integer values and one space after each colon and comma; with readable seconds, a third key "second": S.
{"hour": 3, "minute": 39}
